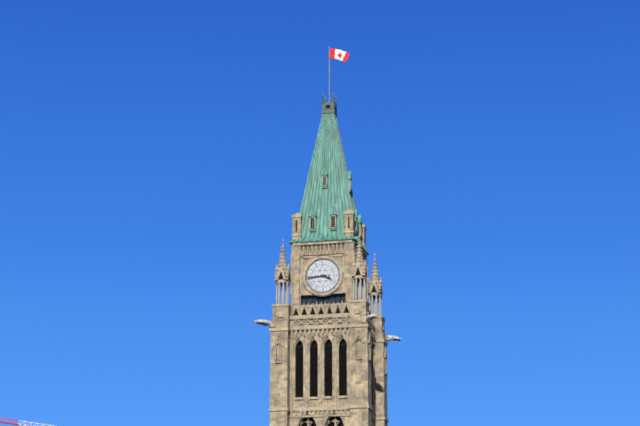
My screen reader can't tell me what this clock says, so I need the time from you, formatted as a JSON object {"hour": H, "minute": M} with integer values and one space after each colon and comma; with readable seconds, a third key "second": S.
{"hour": 3, "minute": 44}
